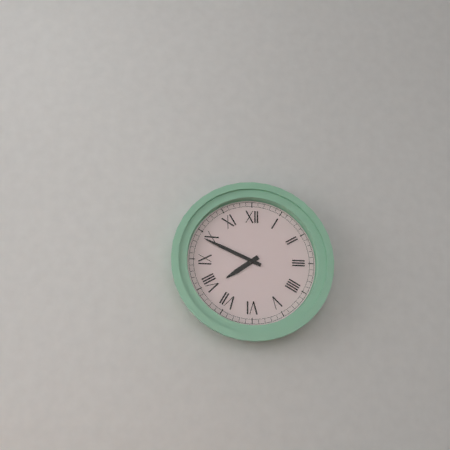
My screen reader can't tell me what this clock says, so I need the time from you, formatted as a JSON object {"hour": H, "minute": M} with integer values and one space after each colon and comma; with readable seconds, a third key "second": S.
{"hour": 7, "minute": 49}
